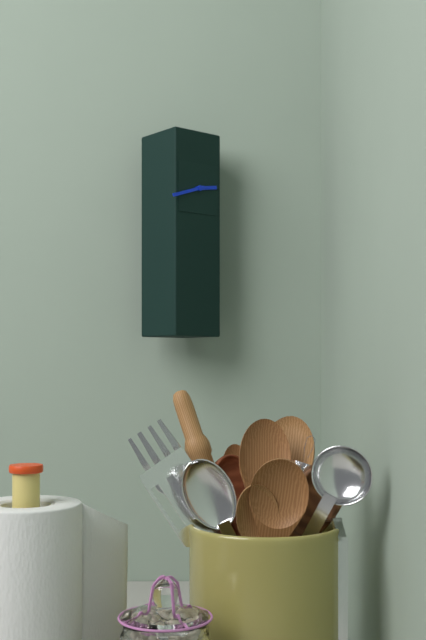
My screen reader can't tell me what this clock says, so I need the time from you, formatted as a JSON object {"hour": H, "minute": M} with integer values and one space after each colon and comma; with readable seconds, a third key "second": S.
{"hour": 2, "minute": 42}
